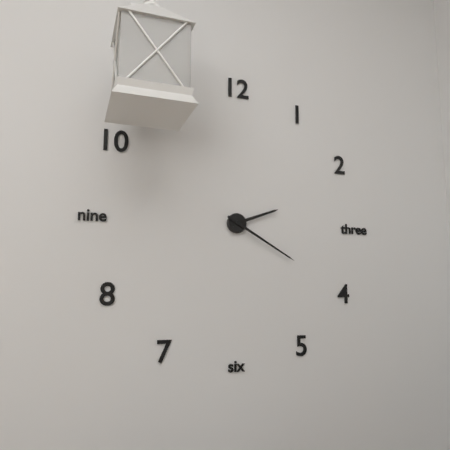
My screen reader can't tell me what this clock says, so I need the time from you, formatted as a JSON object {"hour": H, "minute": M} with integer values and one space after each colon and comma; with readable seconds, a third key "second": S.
{"hour": 2, "minute": 20}
